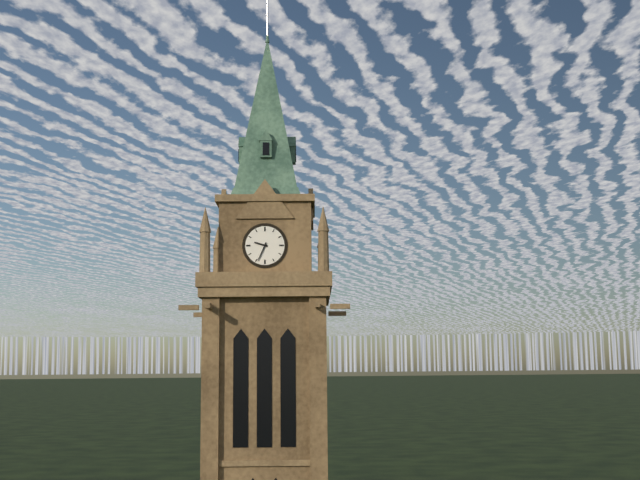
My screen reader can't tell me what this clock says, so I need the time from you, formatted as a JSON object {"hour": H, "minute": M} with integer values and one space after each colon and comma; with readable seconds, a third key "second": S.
{"hour": 9, "minute": 34}
